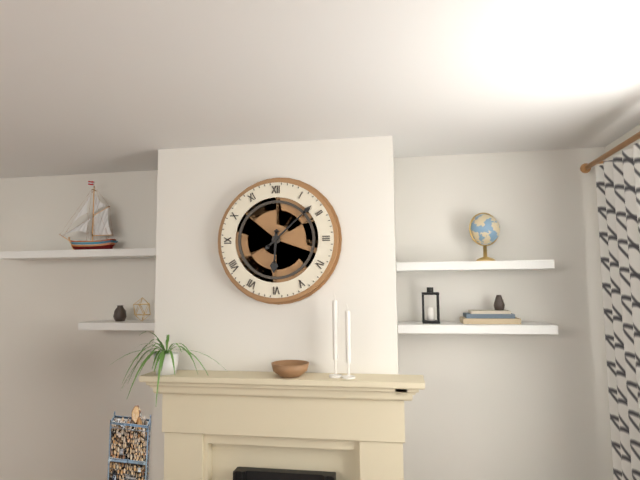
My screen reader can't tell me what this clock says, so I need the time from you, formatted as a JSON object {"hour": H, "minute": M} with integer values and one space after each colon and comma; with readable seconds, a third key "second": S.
{"hour": 6, "minute": 8}
